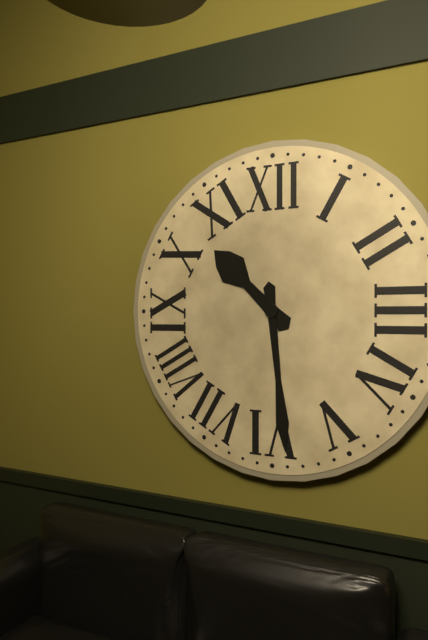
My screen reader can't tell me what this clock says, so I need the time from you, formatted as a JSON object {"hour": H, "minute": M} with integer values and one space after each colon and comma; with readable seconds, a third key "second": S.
{"hour": 10, "minute": 29}
